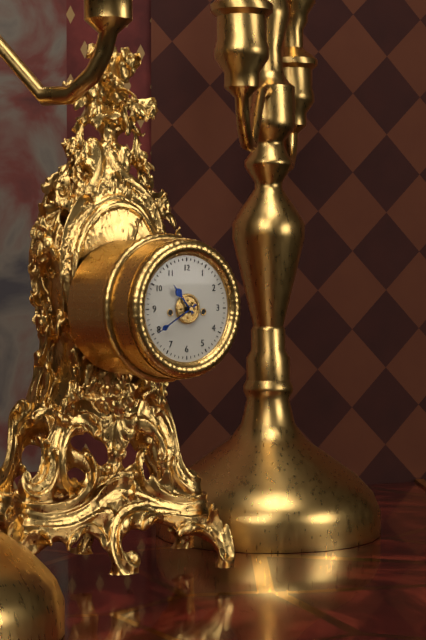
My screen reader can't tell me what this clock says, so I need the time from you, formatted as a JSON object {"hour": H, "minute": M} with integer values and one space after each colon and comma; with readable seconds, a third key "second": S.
{"hour": 10, "minute": 40}
